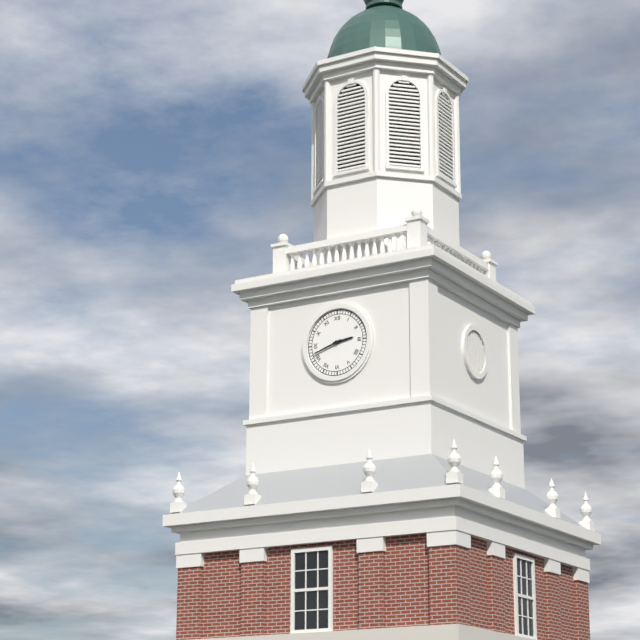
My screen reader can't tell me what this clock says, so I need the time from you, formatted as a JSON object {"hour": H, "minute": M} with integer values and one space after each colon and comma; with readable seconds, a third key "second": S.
{"hour": 2, "minute": 42}
